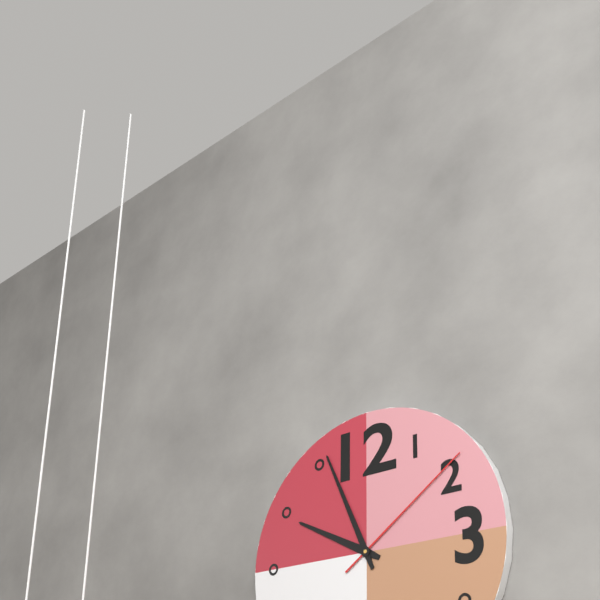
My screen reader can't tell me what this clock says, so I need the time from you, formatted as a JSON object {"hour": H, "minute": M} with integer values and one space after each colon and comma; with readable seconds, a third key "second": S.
{"hour": 9, "minute": 56, "second": 9}
